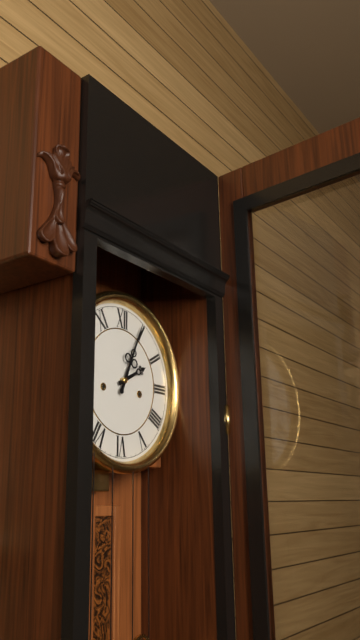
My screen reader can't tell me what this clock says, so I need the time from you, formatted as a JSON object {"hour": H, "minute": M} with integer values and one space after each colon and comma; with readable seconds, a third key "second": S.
{"hour": 2, "minute": 4}
